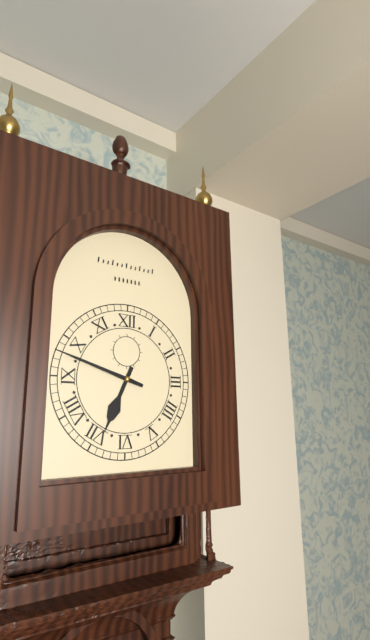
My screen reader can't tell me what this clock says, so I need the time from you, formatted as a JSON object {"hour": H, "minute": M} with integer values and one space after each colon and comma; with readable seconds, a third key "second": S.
{"hour": 6, "minute": 48}
